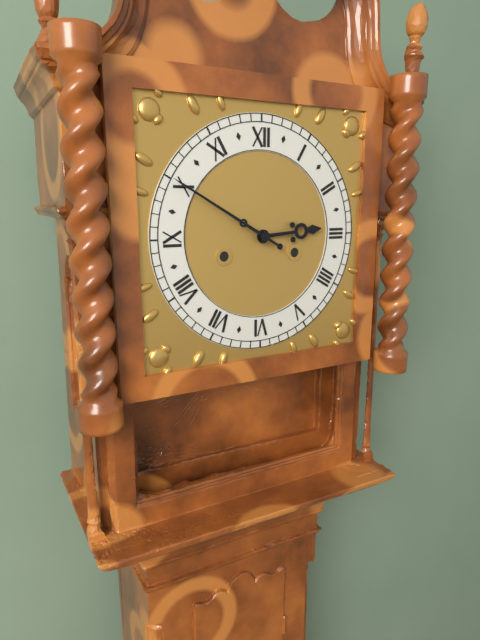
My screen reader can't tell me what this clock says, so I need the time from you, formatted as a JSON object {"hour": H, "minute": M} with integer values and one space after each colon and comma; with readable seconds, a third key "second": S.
{"hour": 2, "minute": 50}
